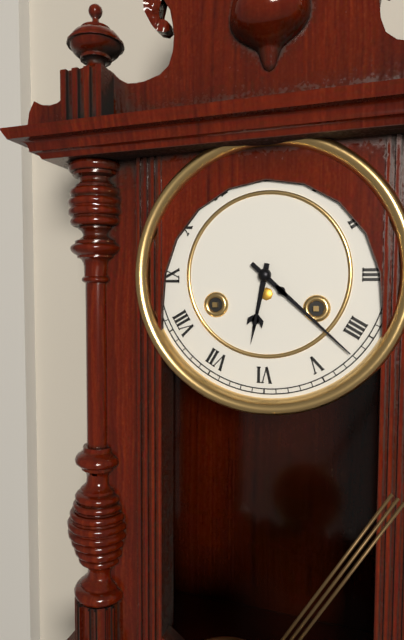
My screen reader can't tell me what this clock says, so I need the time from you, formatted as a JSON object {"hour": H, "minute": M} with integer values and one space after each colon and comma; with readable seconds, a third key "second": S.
{"hour": 6, "minute": 22}
